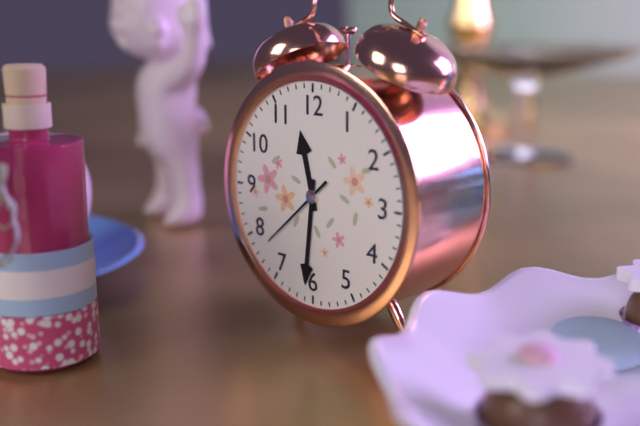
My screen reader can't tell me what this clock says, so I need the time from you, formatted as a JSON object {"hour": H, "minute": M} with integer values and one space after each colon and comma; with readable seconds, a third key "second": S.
{"hour": 11, "minute": 31, "second": 38}
